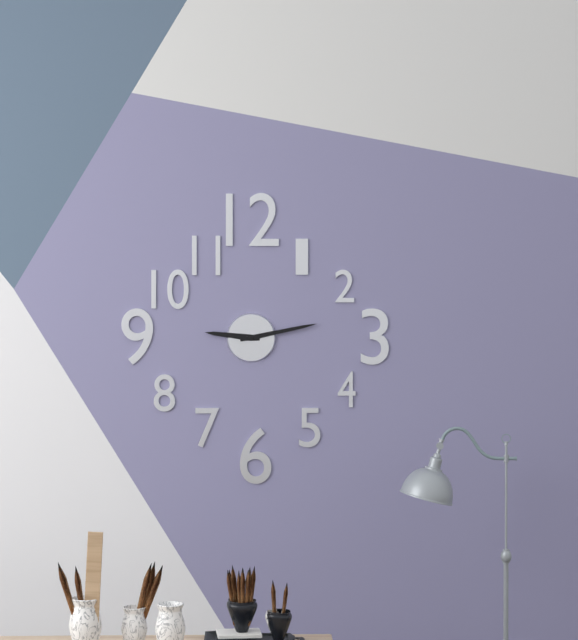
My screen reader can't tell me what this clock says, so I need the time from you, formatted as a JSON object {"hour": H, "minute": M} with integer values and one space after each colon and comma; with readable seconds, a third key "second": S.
{"hour": 9, "minute": 13}
